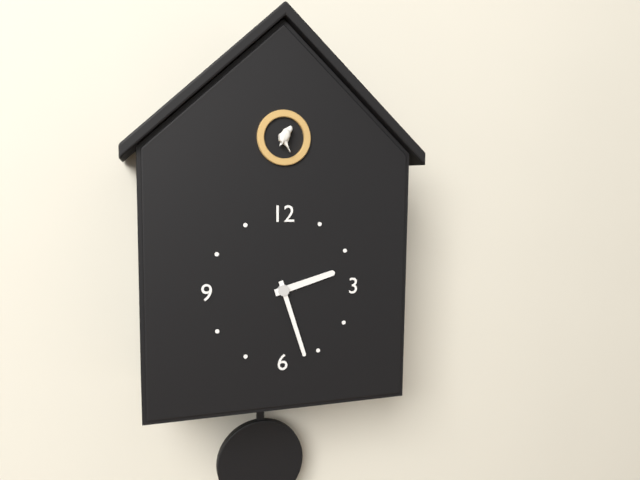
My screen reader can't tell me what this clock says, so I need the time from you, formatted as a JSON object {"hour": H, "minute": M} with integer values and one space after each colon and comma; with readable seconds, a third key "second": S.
{"hour": 2, "minute": 27}
